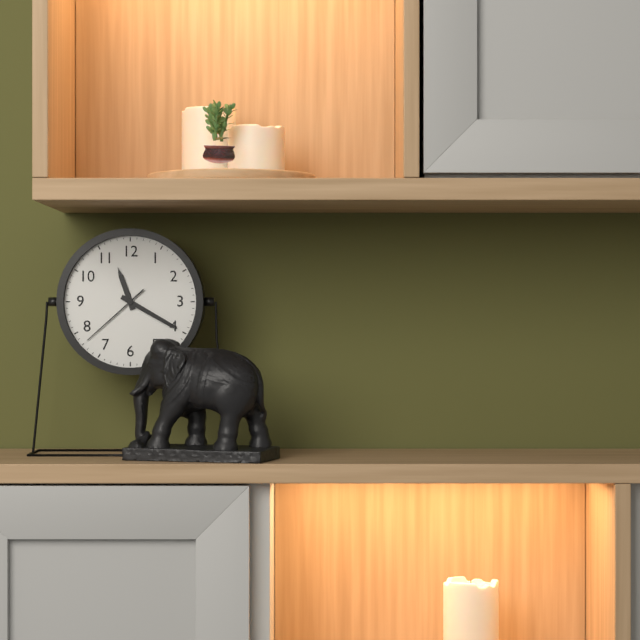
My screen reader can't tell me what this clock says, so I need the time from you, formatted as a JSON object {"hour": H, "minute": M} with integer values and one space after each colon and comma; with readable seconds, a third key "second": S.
{"hour": 11, "minute": 20, "second": 38}
